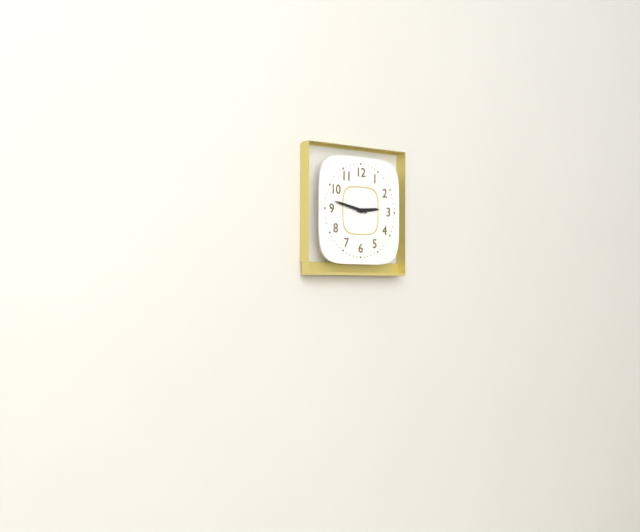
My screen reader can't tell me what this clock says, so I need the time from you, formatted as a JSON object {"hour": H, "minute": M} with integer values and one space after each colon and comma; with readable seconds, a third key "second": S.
{"hour": 2, "minute": 47}
